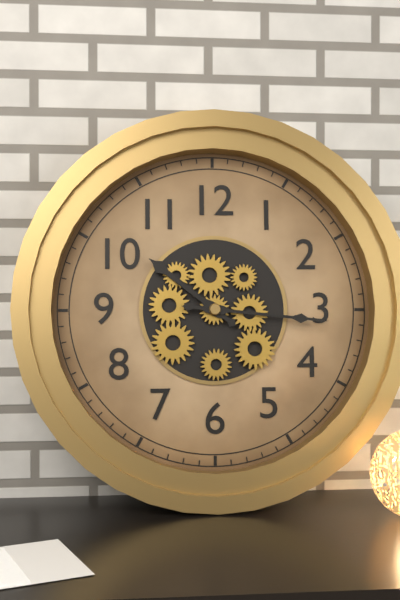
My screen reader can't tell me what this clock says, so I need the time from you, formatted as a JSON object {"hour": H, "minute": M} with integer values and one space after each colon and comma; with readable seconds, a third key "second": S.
{"hour": 10, "minute": 16}
